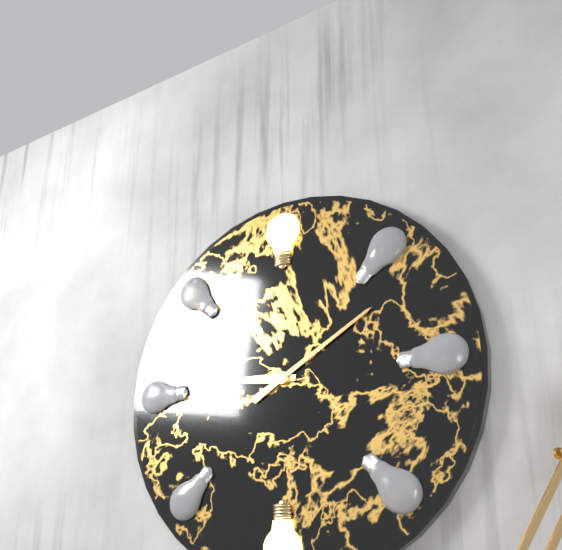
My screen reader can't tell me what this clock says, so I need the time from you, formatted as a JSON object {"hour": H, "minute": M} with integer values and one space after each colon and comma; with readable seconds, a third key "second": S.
{"hour": 9, "minute": 10}
